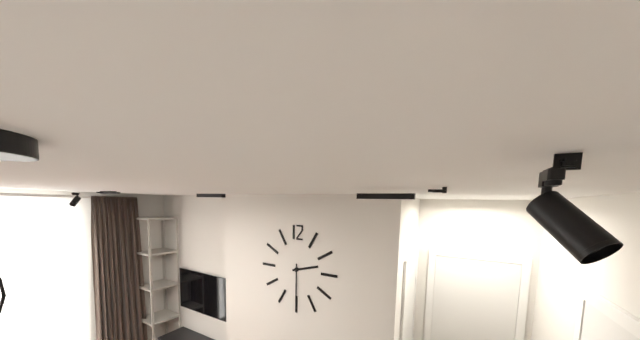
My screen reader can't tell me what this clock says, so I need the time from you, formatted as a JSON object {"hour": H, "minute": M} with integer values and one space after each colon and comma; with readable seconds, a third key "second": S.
{"hour": 2, "minute": 30}
